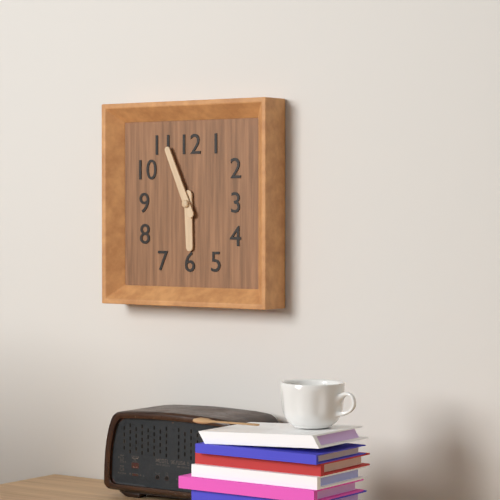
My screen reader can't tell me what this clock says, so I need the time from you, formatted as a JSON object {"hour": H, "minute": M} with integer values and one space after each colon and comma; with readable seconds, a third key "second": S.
{"hour": 5, "minute": 56}
